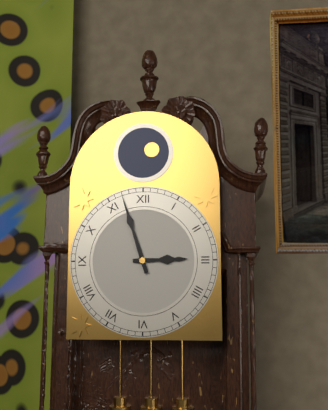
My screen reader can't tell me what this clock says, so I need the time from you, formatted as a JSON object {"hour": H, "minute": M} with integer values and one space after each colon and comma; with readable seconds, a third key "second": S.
{"hour": 2, "minute": 57}
